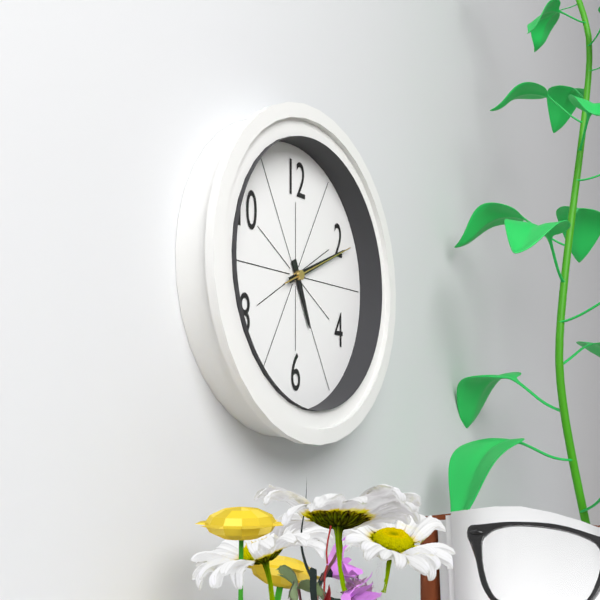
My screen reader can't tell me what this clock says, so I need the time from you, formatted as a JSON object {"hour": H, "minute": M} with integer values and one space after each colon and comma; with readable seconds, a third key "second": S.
{"hour": 5, "minute": 11, "second": 11}
